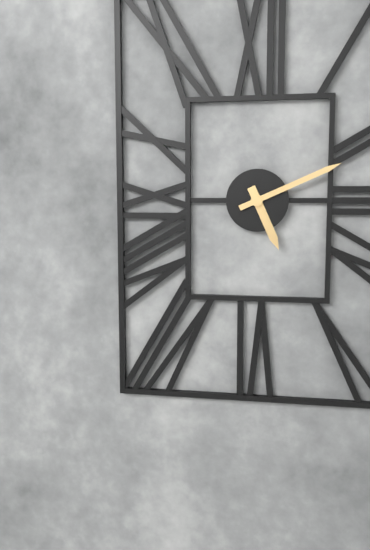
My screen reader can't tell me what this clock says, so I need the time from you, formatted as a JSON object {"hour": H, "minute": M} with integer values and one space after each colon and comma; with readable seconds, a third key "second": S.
{"hour": 5, "minute": 11}
